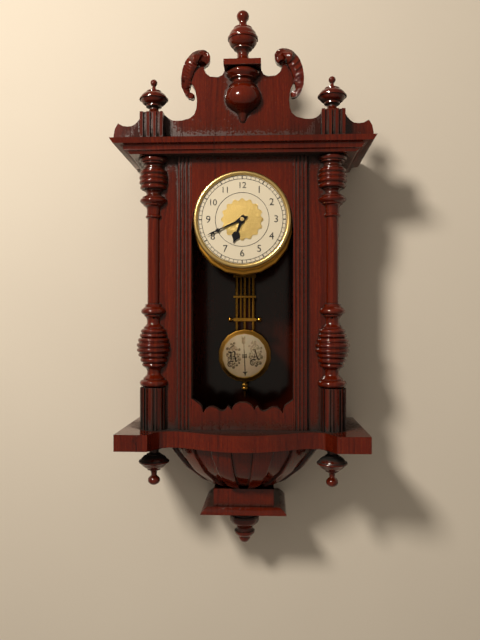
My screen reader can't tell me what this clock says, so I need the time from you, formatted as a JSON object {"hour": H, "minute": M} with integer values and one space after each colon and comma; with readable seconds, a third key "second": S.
{"hour": 6, "minute": 41}
